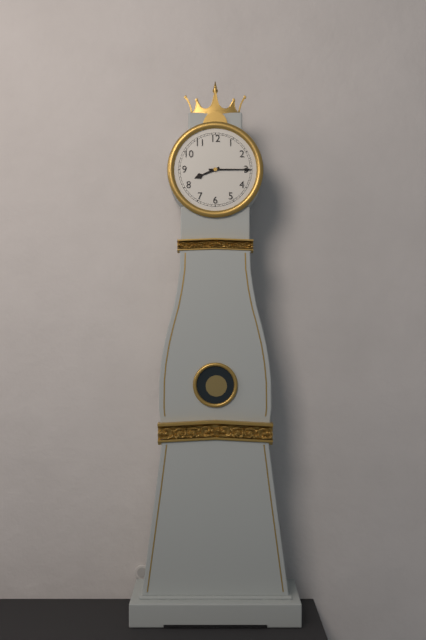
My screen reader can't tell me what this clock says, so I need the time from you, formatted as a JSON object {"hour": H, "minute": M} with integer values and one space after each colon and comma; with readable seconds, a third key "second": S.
{"hour": 8, "minute": 15}
